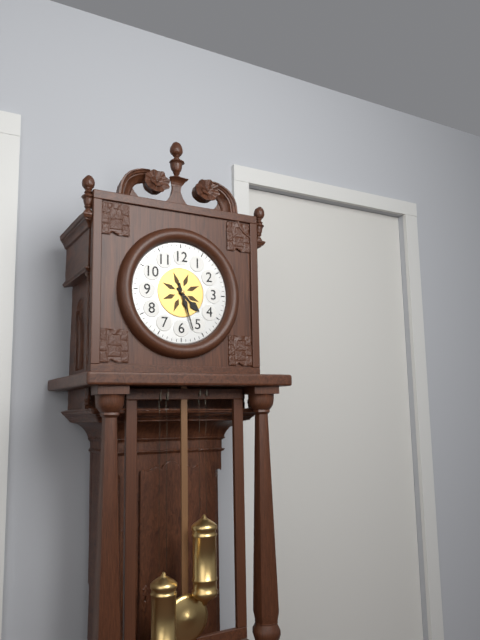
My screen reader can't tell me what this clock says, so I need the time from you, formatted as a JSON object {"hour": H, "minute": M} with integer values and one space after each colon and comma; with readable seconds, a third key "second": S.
{"hour": 4, "minute": 27}
